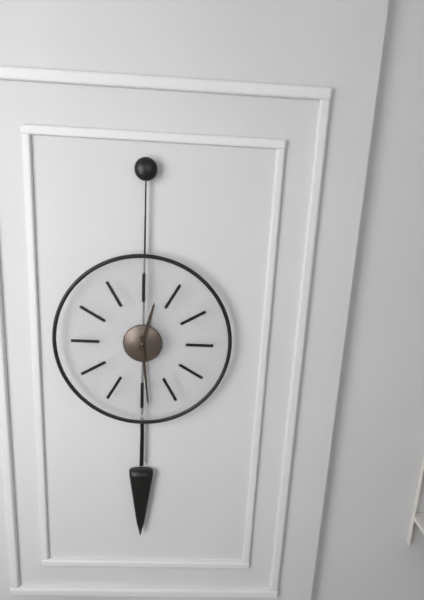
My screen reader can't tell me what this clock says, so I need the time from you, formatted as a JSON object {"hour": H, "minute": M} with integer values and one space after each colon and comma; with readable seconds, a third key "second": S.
{"hour": 12, "minute": 29}
